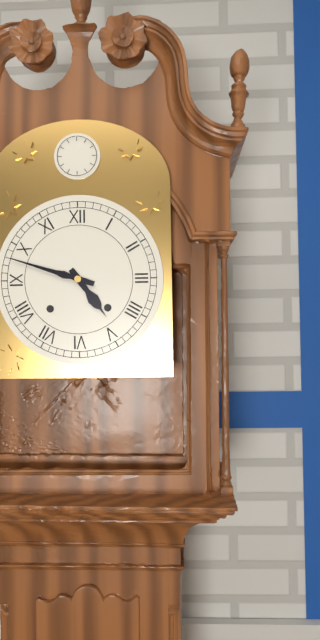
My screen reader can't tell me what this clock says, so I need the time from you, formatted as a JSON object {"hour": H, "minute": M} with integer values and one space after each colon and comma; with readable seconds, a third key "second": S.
{"hour": 4, "minute": 48}
